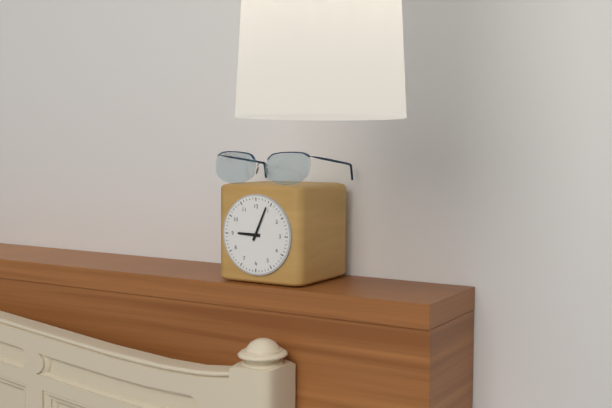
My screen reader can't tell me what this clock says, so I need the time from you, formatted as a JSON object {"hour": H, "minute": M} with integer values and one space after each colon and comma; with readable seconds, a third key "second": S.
{"hour": 9, "minute": 4}
